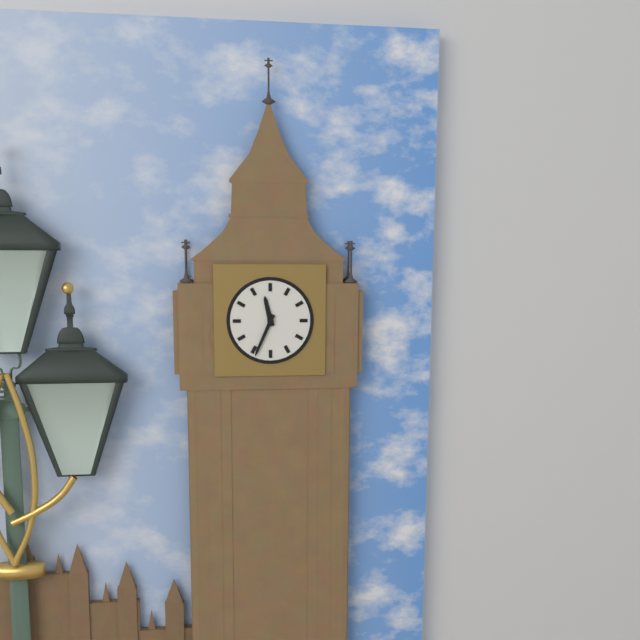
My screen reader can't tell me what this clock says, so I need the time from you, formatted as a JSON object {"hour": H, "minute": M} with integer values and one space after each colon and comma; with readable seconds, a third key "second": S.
{"hour": 11, "minute": 34}
